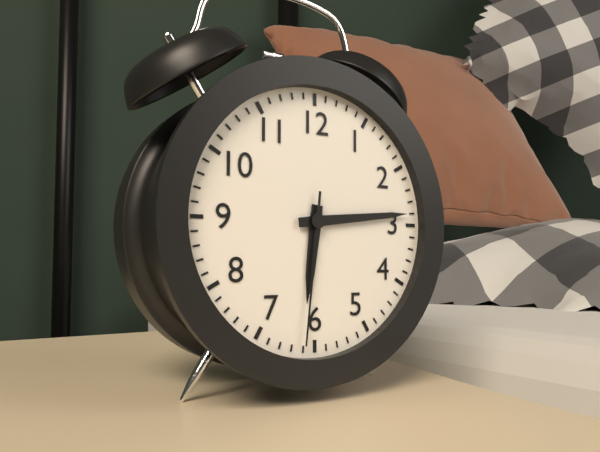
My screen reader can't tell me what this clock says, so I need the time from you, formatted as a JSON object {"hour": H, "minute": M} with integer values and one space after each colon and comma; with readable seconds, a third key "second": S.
{"hour": 6, "minute": 14, "second": 31}
